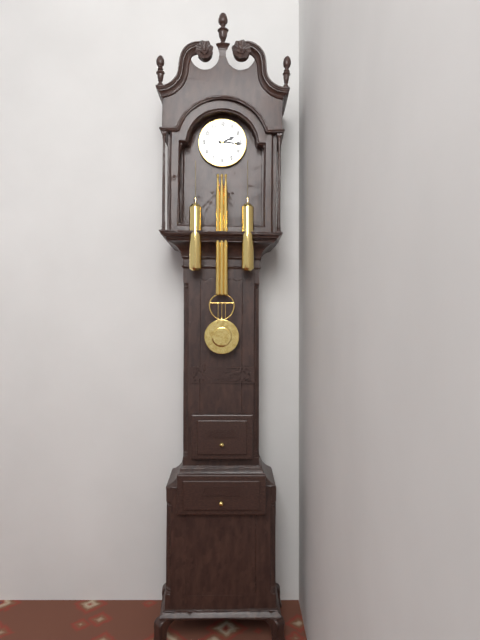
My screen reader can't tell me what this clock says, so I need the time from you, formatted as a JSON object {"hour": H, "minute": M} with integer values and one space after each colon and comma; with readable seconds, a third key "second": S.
{"hour": 2, "minute": 16}
